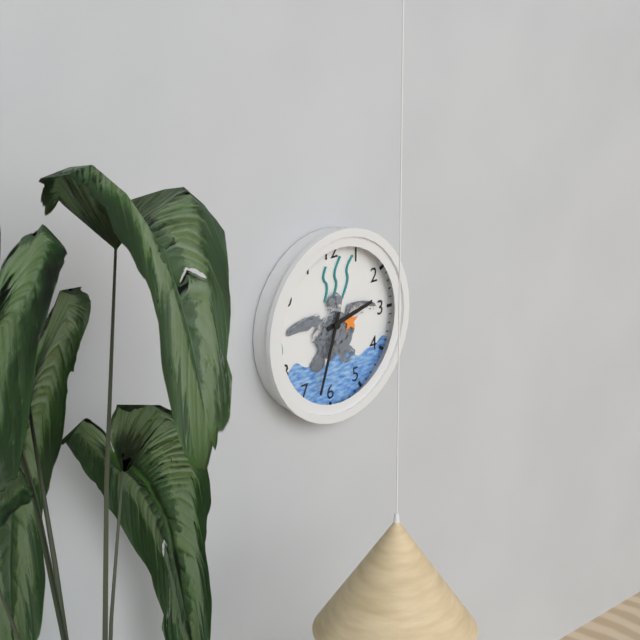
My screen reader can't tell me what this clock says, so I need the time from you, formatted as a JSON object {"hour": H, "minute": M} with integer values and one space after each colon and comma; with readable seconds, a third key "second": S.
{"hour": 2, "minute": 33}
